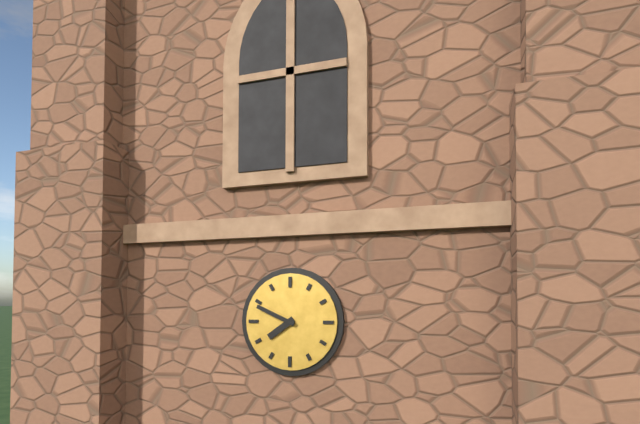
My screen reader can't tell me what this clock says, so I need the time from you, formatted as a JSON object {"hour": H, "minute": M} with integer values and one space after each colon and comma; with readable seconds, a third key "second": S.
{"hour": 7, "minute": 49}
